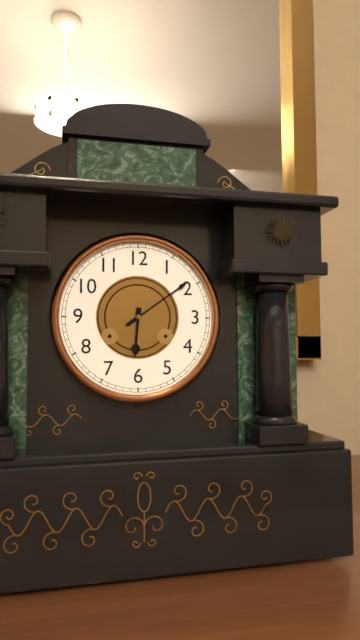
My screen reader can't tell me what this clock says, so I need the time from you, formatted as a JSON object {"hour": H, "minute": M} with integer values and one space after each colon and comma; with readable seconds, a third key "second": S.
{"hour": 6, "minute": 9}
